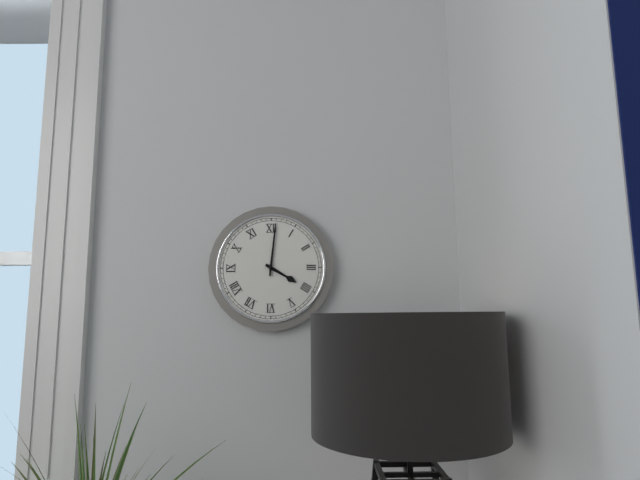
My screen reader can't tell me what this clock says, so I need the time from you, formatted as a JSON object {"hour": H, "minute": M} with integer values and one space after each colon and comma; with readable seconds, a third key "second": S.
{"hour": 4, "minute": 1}
